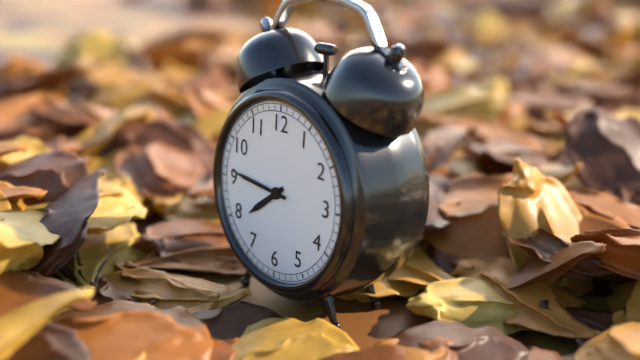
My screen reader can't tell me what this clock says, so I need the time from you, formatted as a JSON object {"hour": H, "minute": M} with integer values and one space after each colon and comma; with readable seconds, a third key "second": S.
{"hour": 7, "minute": 46}
